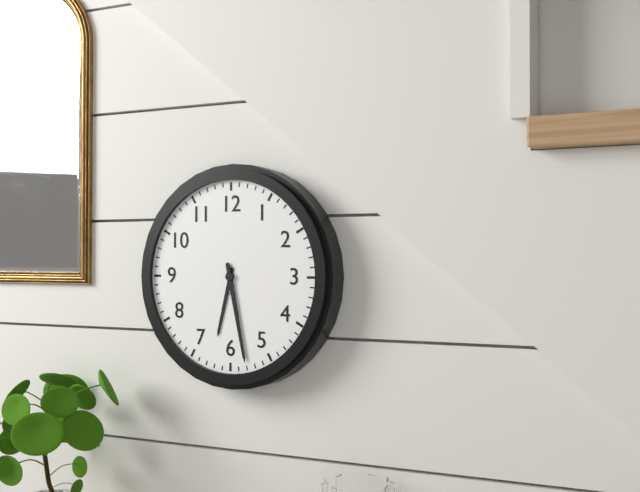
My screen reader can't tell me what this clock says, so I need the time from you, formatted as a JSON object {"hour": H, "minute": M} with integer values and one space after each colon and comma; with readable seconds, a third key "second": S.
{"hour": 6, "minute": 28}
